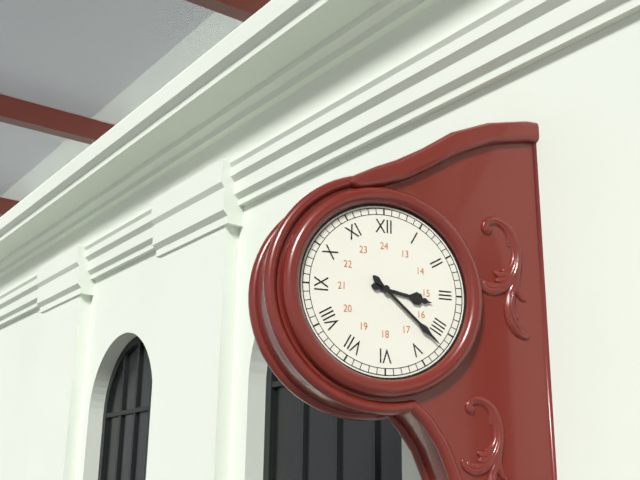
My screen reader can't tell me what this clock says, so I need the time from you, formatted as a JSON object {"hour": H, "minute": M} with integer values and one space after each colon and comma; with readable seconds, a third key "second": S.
{"hour": 3, "minute": 22}
